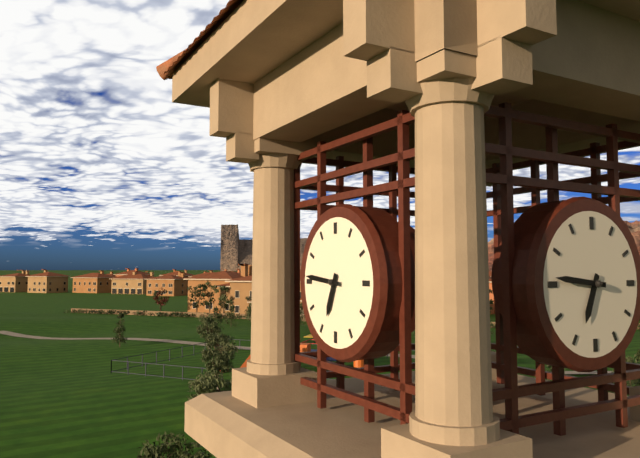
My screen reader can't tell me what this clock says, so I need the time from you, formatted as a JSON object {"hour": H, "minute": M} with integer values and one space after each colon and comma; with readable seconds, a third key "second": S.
{"hour": 6, "minute": 46}
